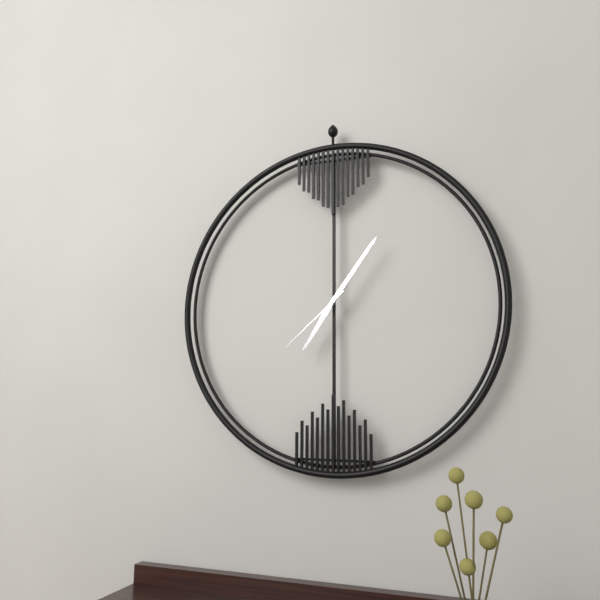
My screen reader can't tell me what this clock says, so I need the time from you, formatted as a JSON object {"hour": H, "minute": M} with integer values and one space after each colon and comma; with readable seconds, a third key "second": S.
{"hour": 7, "minute": 6, "second": 38}
